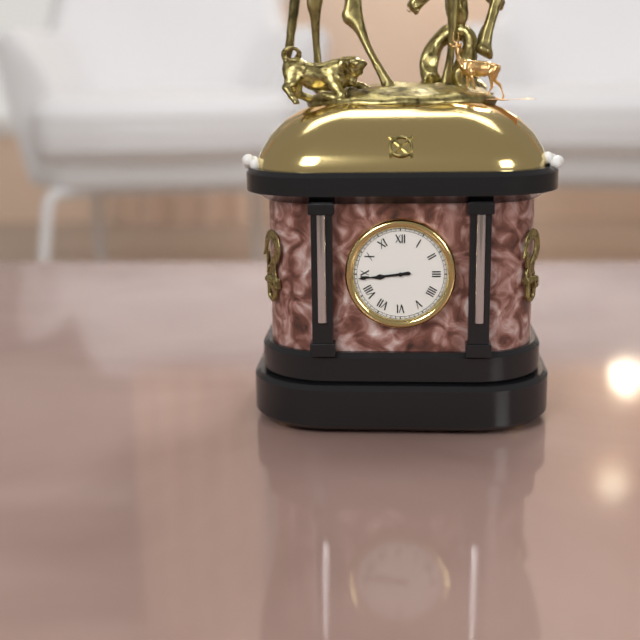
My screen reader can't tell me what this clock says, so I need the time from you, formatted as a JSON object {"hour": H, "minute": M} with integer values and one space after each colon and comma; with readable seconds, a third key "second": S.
{"hour": 8, "minute": 44}
